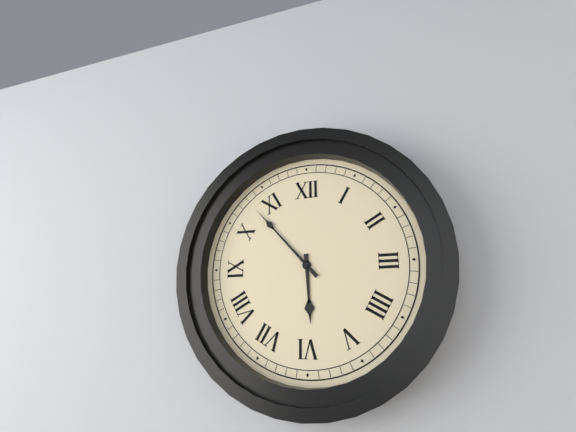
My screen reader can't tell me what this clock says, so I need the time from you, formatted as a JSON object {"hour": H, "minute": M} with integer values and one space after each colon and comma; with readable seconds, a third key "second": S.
{"hour": 5, "minute": 53}
